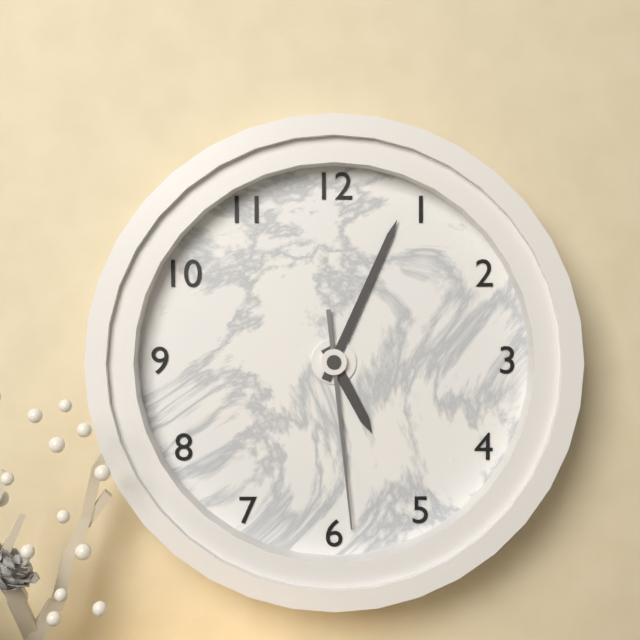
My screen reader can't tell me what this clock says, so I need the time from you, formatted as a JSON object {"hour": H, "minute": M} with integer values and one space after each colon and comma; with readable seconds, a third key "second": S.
{"hour": 5, "minute": 4, "second": 29}
